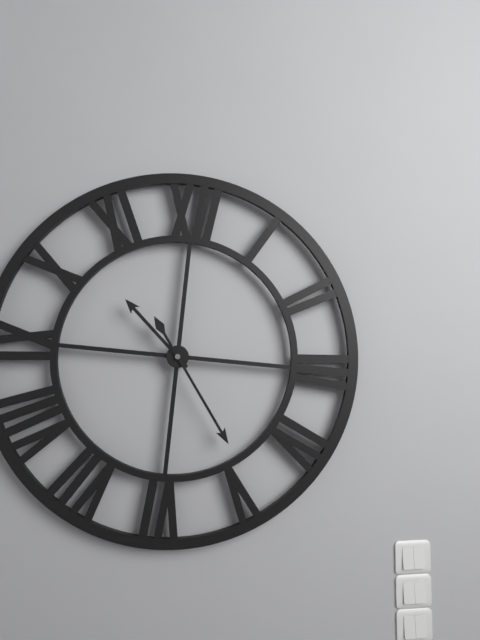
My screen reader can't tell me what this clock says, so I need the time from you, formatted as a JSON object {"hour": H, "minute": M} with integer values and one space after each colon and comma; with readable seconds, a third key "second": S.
{"hour": 10, "minute": 24}
